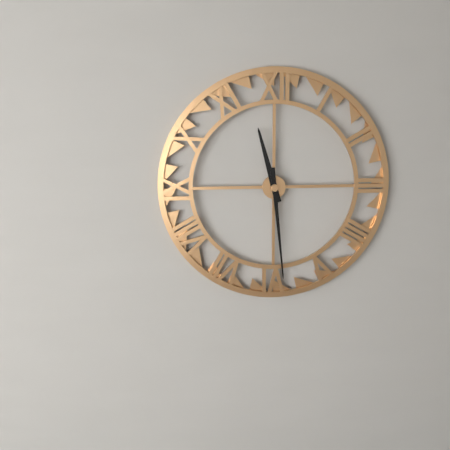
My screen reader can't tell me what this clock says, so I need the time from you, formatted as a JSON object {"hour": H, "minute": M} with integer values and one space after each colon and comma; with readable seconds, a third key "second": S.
{"hour": 11, "minute": 29}
